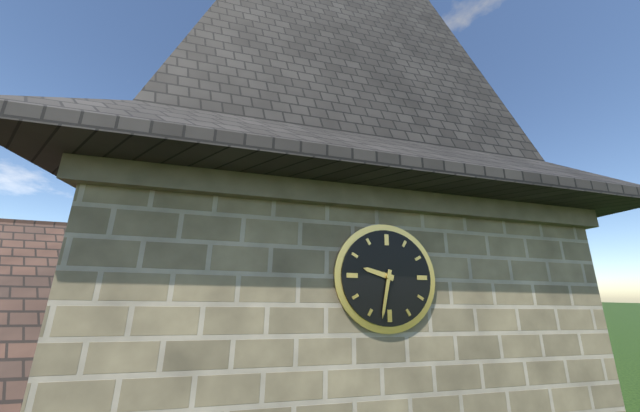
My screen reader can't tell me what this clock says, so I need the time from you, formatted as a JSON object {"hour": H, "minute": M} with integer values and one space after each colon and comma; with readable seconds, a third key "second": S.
{"hour": 9, "minute": 32}
